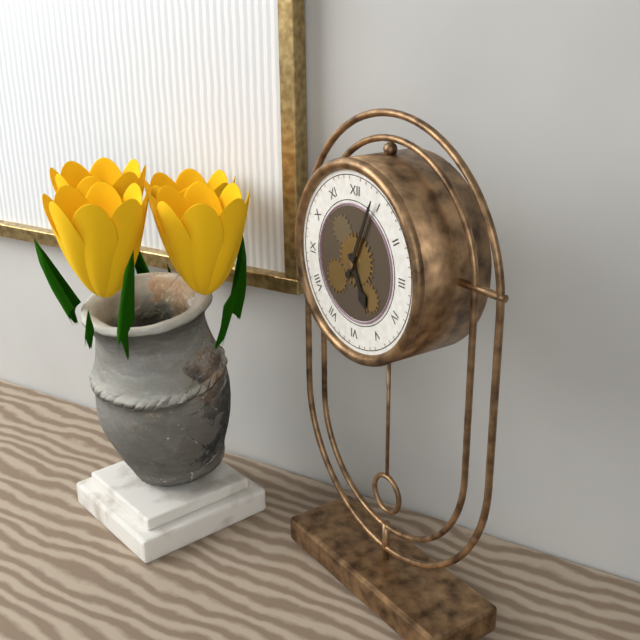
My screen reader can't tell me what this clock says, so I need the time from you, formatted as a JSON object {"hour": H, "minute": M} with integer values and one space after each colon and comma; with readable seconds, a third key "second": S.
{"hour": 5, "minute": 4}
